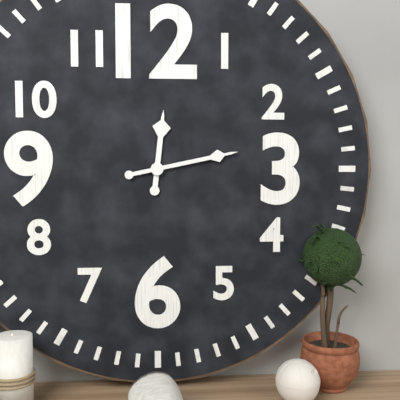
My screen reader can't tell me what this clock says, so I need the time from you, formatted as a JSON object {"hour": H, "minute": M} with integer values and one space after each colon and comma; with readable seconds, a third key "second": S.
{"hour": 12, "minute": 13}
